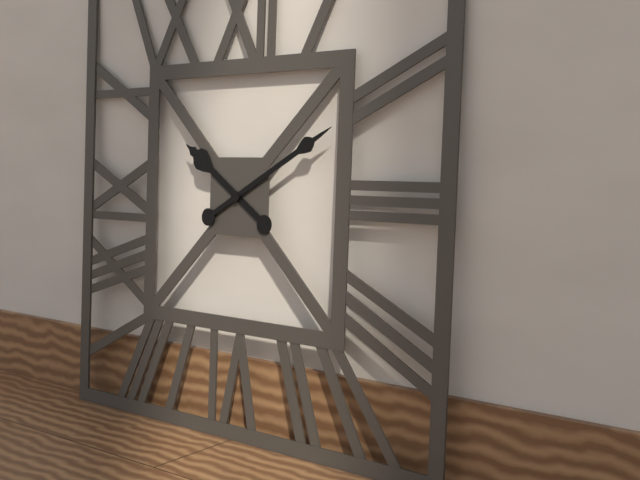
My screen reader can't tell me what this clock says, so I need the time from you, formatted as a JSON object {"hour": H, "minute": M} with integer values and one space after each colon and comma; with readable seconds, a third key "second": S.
{"hour": 10, "minute": 10}
